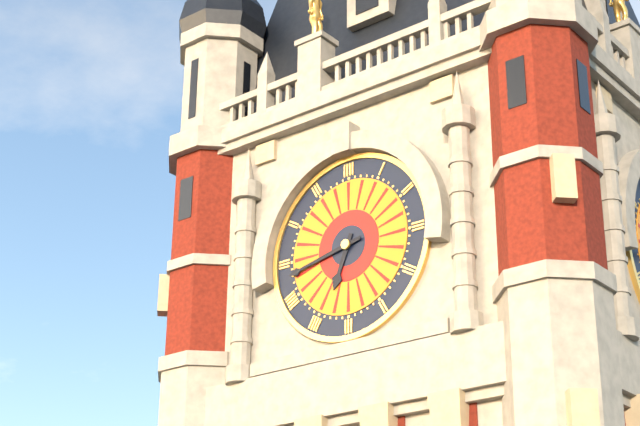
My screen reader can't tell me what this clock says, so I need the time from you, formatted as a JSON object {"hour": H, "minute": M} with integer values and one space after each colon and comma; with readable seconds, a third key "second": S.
{"hour": 6, "minute": 43}
